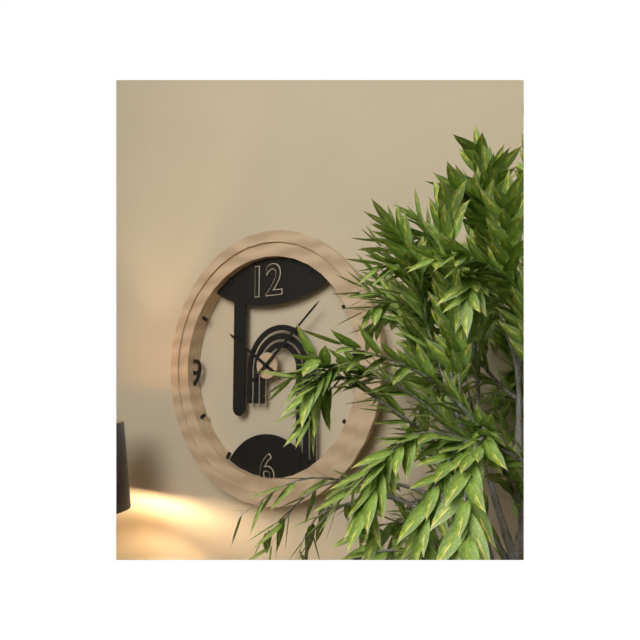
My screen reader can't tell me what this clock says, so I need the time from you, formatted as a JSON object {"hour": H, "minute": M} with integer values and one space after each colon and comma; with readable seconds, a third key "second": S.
{"hour": 10, "minute": 8}
